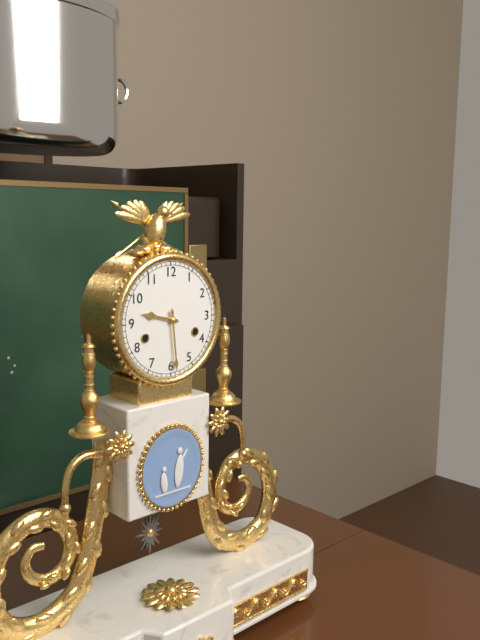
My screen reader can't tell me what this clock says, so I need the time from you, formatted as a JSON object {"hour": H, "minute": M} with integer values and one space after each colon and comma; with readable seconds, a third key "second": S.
{"hour": 9, "minute": 29}
